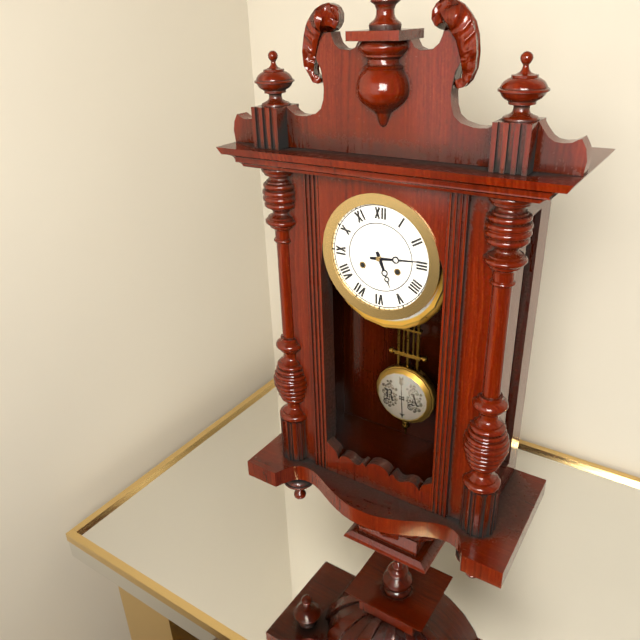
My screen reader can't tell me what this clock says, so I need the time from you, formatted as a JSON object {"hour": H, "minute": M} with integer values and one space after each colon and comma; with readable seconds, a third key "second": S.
{"hour": 5, "minute": 14}
